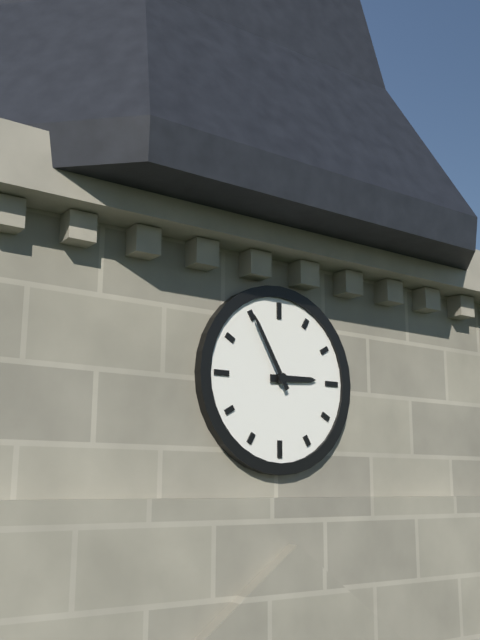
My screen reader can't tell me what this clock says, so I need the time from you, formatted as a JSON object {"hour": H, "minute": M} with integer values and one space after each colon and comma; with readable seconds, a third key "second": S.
{"hour": 2, "minute": 55}
